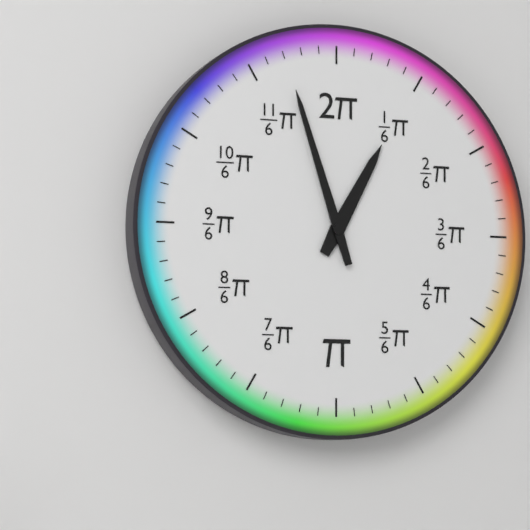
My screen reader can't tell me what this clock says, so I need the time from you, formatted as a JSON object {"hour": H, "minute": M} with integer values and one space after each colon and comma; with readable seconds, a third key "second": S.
{"hour": 12, "minute": 57}
